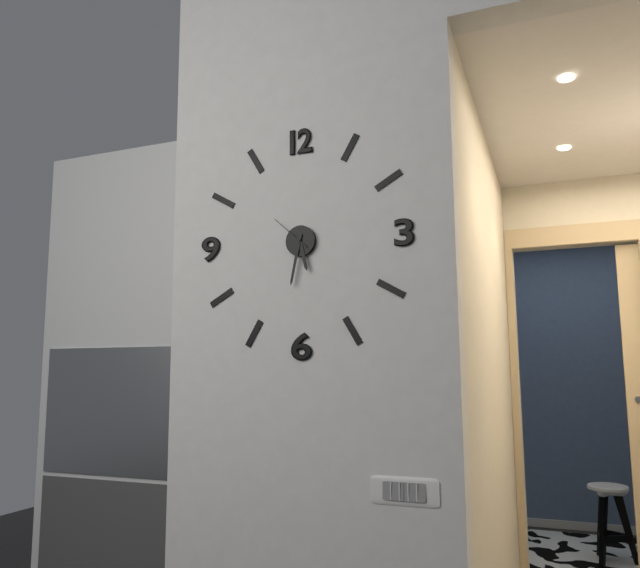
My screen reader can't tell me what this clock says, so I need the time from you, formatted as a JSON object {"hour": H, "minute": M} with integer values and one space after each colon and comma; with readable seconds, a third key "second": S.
{"hour": 5, "minute": 32}
